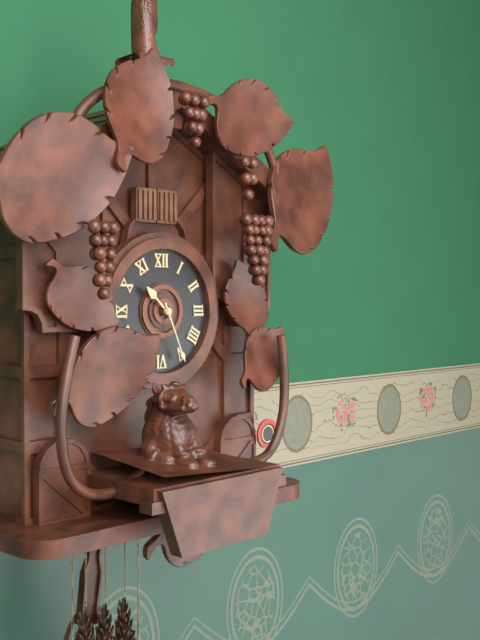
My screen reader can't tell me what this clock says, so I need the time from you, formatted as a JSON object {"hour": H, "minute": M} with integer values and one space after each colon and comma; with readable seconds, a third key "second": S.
{"hour": 10, "minute": 26}
